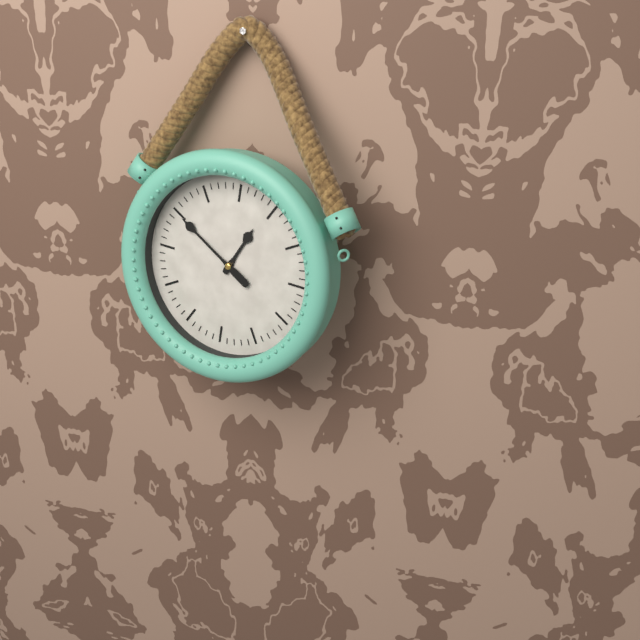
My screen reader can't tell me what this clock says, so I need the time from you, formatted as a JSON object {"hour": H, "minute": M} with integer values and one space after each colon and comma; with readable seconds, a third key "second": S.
{"hour": 12, "minute": 50}
